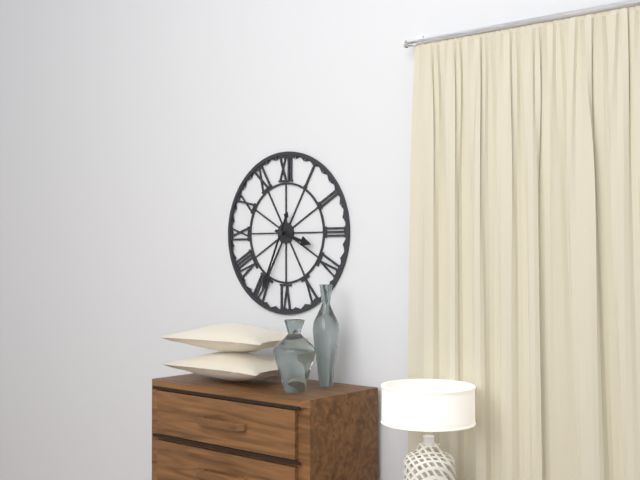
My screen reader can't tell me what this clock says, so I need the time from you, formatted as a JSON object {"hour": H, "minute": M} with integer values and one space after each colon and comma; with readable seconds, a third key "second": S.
{"hour": 3, "minute": 34}
